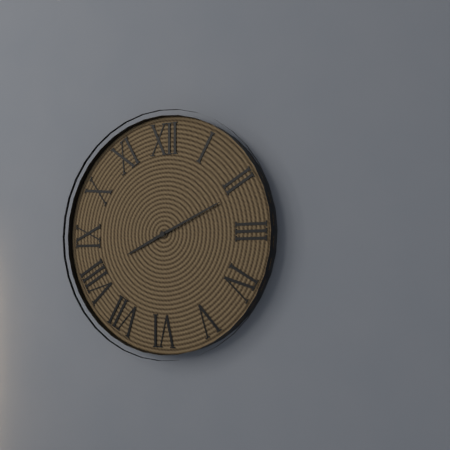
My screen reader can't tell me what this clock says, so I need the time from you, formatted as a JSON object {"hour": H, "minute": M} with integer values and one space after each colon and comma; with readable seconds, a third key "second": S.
{"hour": 8, "minute": 11}
